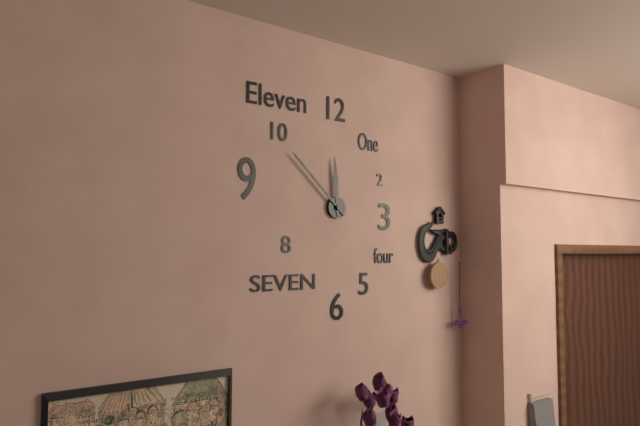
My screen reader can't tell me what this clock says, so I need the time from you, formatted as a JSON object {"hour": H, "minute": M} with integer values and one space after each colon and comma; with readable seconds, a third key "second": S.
{"hour": 11, "minute": 52}
